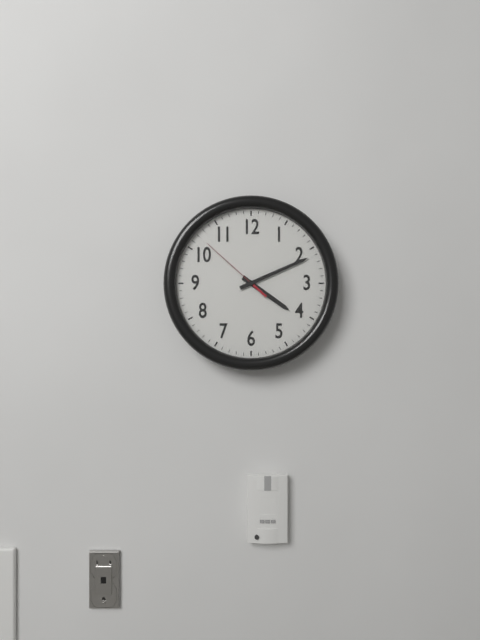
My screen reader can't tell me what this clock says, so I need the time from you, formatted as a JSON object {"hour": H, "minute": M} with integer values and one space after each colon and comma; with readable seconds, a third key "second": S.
{"hour": 4, "minute": 11, "second": 52}
